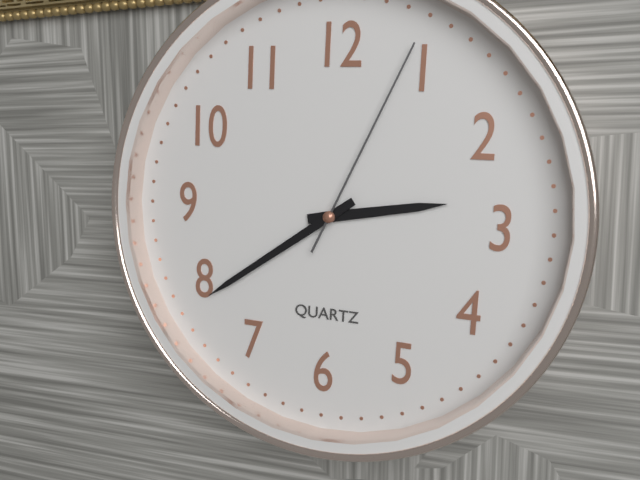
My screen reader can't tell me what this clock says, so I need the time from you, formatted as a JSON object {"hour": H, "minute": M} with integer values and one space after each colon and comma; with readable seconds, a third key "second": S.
{"hour": 2, "minute": 39, "second": 4}
